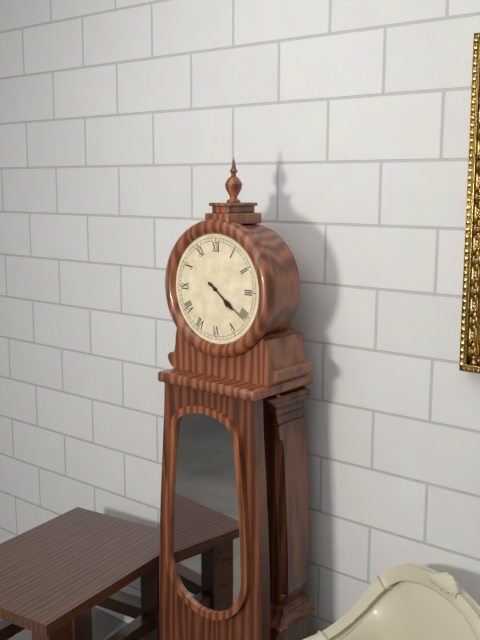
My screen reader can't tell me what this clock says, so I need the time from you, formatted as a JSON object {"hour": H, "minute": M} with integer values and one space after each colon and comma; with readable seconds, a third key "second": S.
{"hour": 4, "minute": 21}
